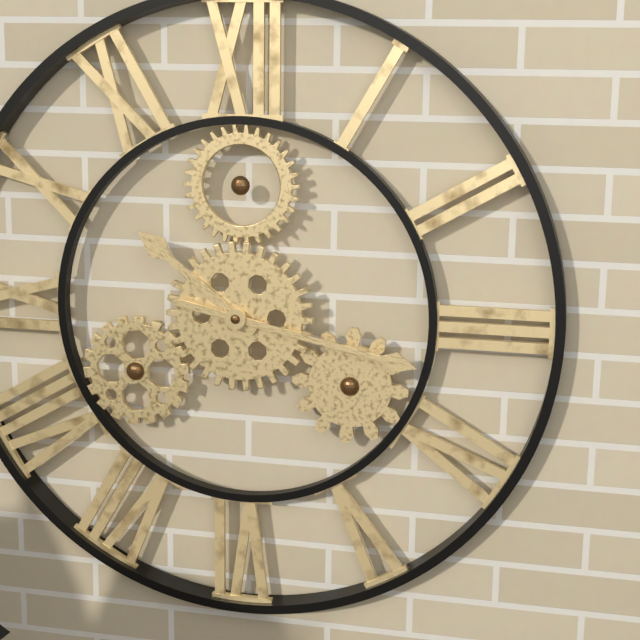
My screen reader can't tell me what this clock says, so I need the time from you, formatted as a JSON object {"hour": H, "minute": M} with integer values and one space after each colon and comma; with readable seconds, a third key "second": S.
{"hour": 10, "minute": 17}
